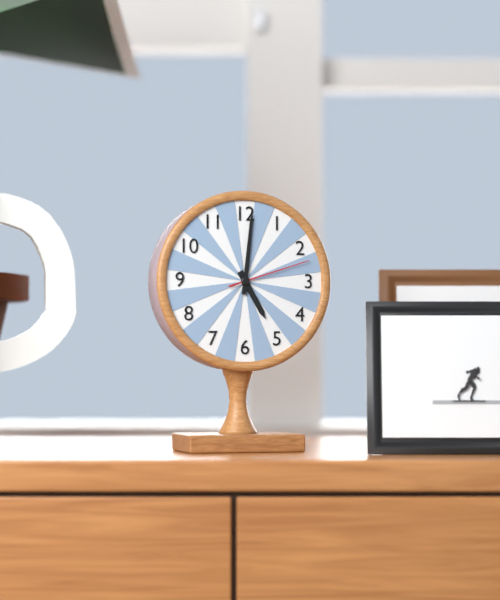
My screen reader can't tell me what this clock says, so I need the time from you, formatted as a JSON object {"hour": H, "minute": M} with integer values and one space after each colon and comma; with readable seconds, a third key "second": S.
{"hour": 5, "minute": 1, "second": 12}
